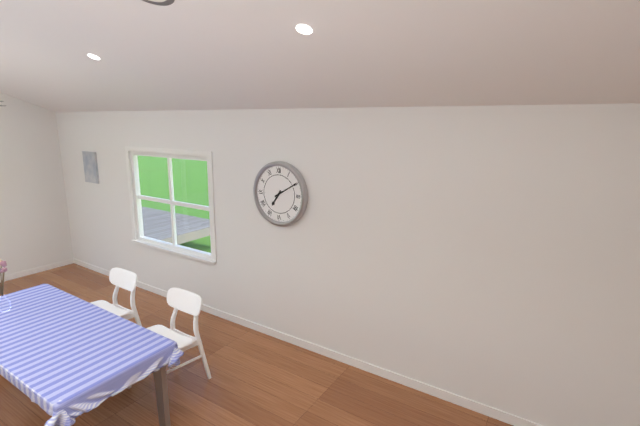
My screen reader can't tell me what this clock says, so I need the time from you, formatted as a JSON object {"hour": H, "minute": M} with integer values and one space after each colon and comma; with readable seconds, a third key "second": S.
{"hour": 7, "minute": 10}
